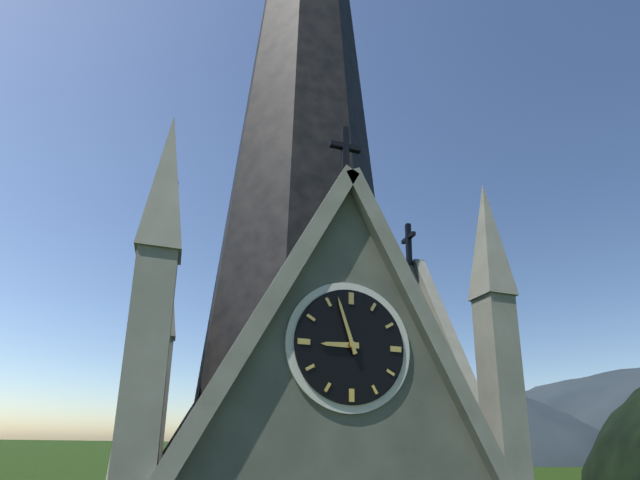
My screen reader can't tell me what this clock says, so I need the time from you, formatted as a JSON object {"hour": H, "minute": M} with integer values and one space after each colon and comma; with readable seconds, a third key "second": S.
{"hour": 8, "minute": 57}
